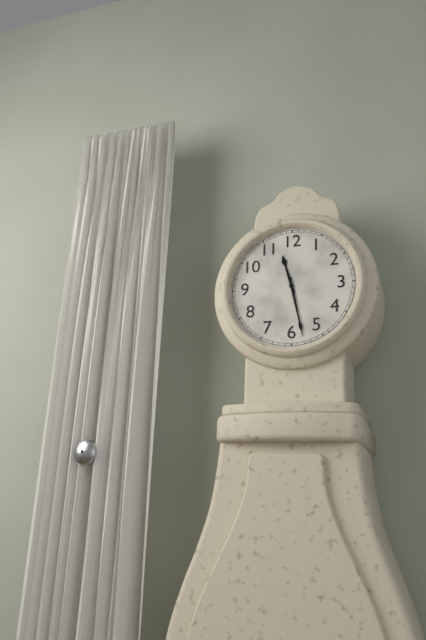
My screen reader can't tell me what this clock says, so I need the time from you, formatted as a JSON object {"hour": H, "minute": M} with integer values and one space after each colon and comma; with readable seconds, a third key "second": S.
{"hour": 11, "minute": 28}
